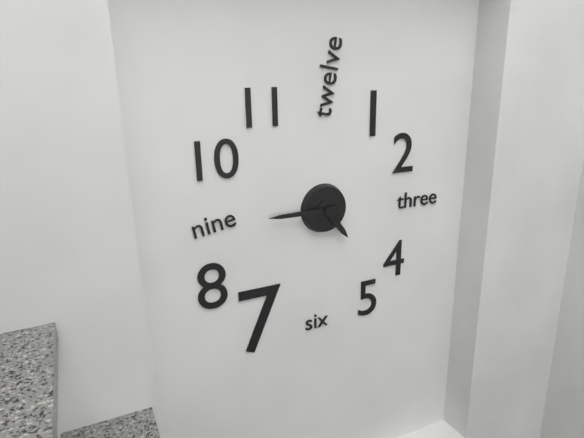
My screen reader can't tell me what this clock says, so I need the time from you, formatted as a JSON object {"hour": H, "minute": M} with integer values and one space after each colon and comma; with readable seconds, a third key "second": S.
{"hour": 4, "minute": 45}
